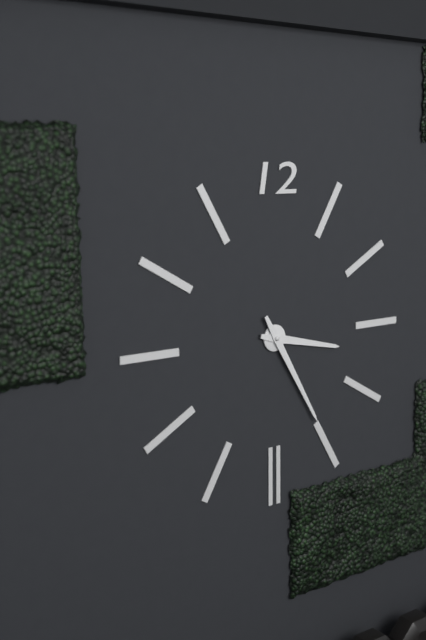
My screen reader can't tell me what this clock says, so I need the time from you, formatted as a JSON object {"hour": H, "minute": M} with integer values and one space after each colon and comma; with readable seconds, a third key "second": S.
{"hour": 3, "minute": 25}
